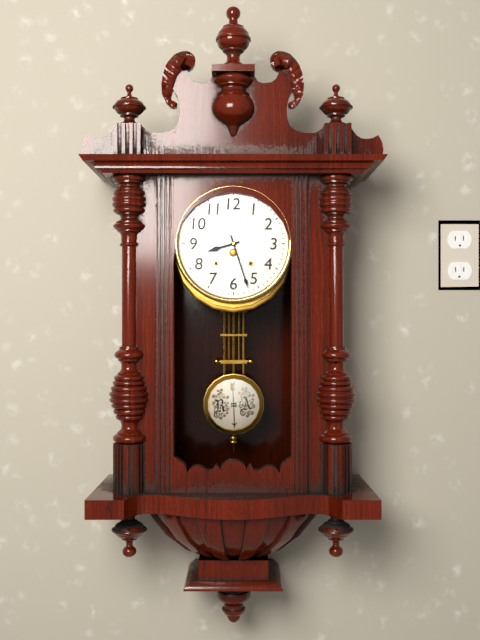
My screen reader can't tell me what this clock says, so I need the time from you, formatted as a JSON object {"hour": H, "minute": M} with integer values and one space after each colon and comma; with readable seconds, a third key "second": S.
{"hour": 8, "minute": 27}
